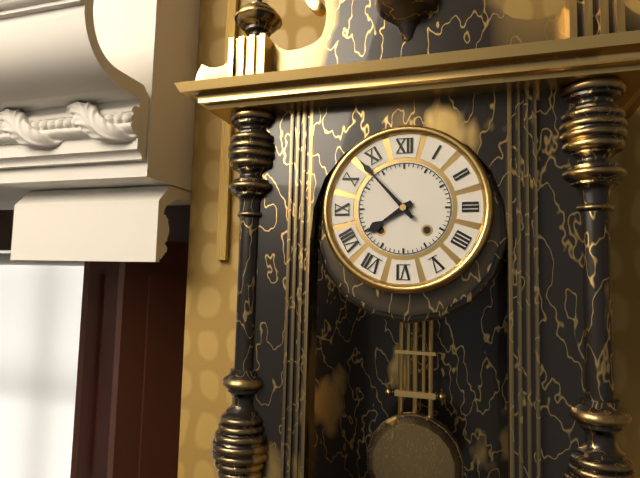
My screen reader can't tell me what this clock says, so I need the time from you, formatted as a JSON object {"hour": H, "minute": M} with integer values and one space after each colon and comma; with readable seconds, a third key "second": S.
{"hour": 7, "minute": 53}
